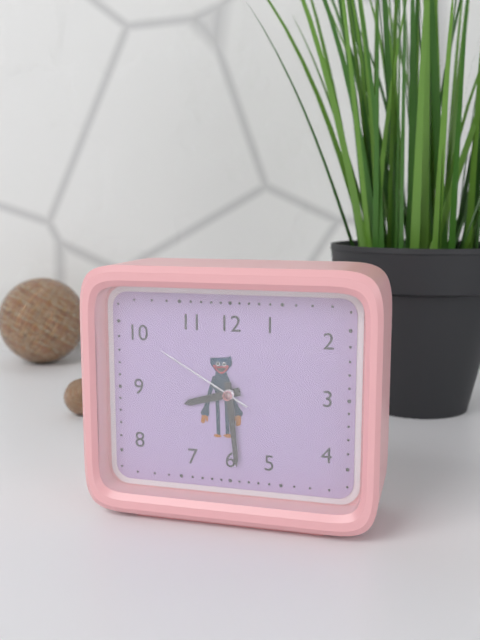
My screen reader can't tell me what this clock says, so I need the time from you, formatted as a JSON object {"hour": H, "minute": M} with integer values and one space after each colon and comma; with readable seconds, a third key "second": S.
{"hour": 8, "minute": 29, "second": 50}
